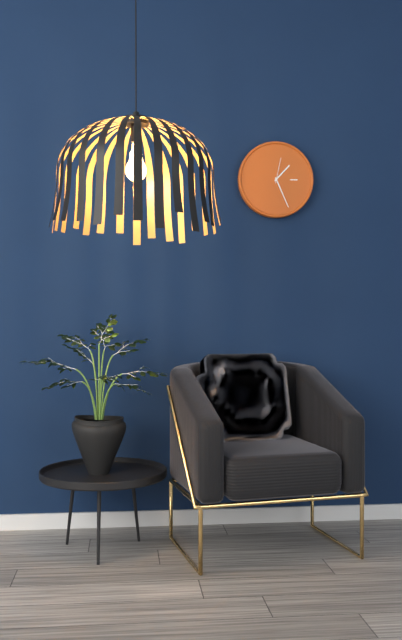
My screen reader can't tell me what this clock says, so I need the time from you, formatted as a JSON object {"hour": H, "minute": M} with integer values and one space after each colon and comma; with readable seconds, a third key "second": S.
{"hour": 1, "minute": 26}
